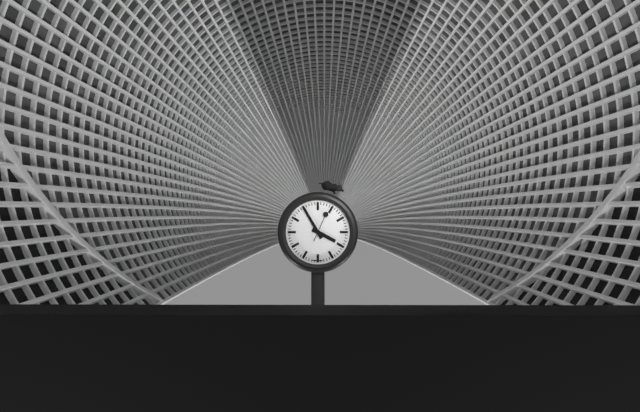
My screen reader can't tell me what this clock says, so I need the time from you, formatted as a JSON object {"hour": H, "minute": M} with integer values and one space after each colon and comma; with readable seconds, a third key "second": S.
{"hour": 3, "minute": 55}
